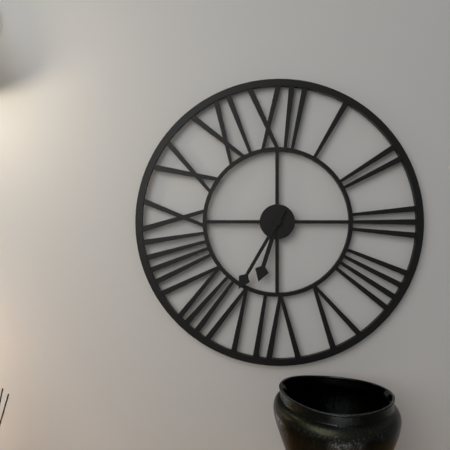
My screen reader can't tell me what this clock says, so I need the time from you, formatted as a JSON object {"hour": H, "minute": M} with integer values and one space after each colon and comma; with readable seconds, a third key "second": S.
{"hour": 6, "minute": 35}
